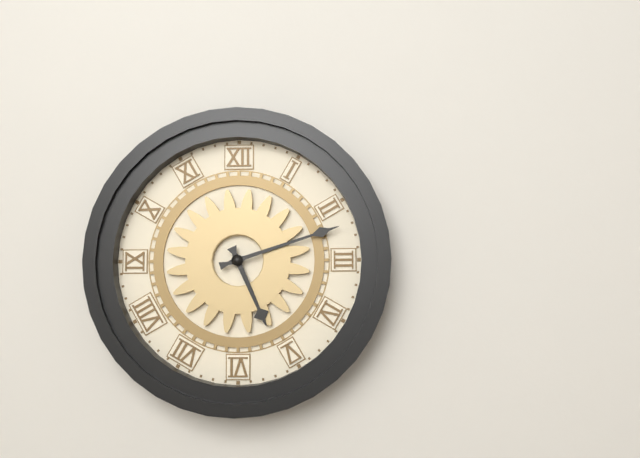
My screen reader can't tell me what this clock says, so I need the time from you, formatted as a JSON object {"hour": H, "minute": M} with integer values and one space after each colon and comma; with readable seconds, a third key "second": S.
{"hour": 5, "minute": 12}
